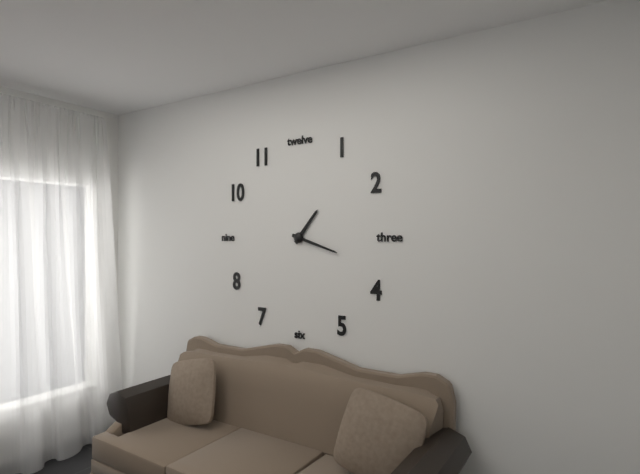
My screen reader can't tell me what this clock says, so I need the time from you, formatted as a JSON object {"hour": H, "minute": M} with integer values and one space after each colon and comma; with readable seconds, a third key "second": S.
{"hour": 1, "minute": 18}
